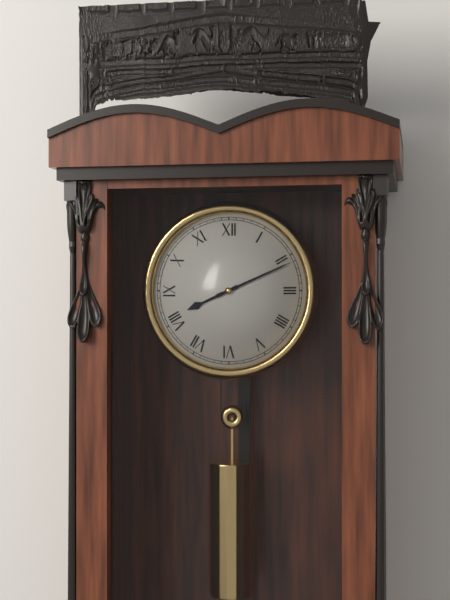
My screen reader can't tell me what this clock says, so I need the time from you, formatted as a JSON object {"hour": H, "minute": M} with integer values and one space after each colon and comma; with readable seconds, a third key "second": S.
{"hour": 8, "minute": 11}
